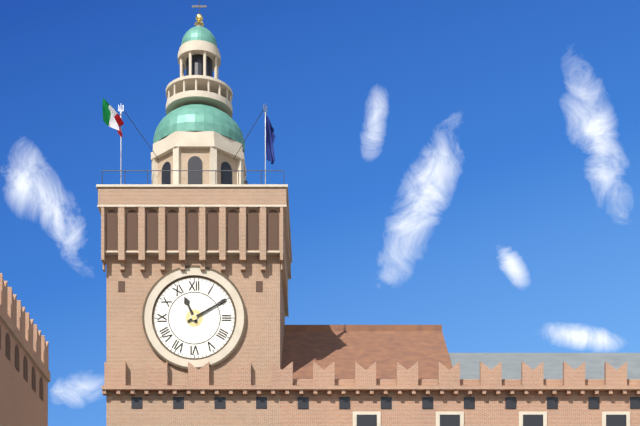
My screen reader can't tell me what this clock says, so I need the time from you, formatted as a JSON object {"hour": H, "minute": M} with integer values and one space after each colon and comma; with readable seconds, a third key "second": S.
{"hour": 11, "minute": 10}
